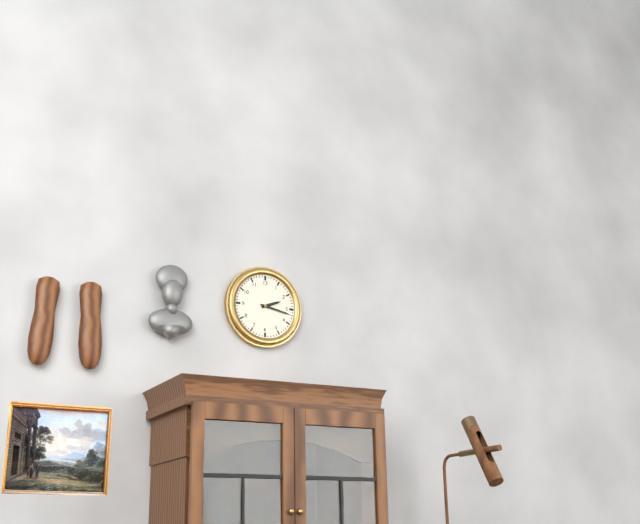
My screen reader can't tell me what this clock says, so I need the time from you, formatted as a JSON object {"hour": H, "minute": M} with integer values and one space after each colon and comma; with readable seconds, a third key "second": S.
{"hour": 2, "minute": 17}
